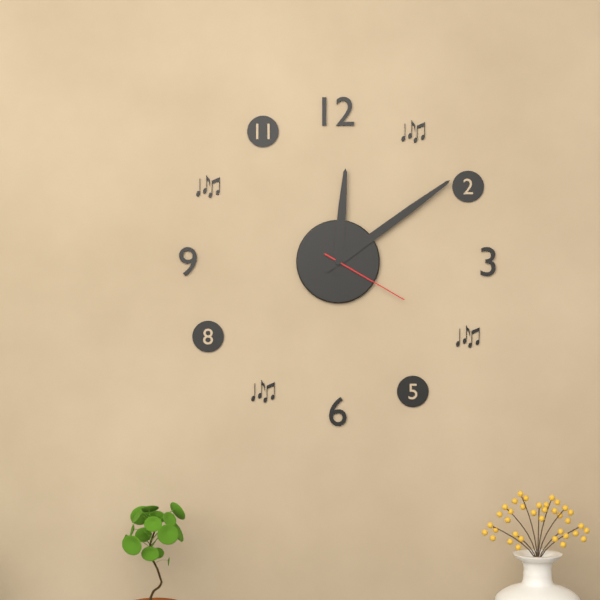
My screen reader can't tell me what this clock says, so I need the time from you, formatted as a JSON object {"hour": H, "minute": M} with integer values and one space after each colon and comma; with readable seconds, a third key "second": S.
{"hour": 12, "minute": 9, "second": 20}
